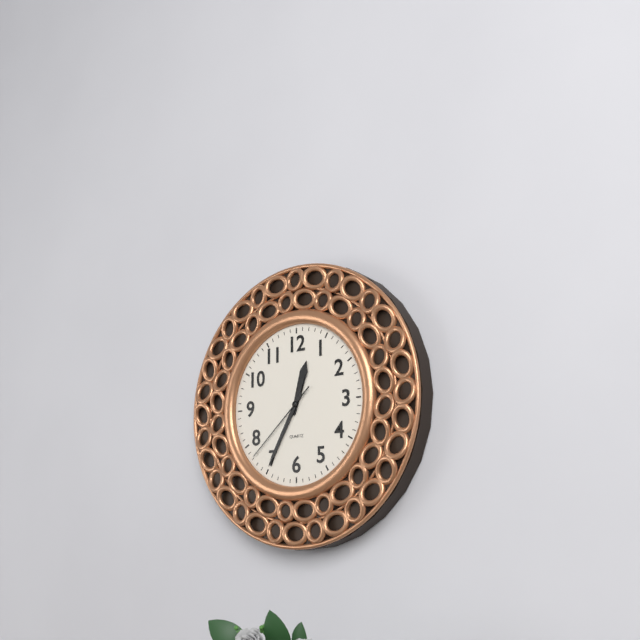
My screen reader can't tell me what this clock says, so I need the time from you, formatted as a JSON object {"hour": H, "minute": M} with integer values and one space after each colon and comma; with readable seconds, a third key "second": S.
{"hour": 12, "minute": 35, "second": 38}
